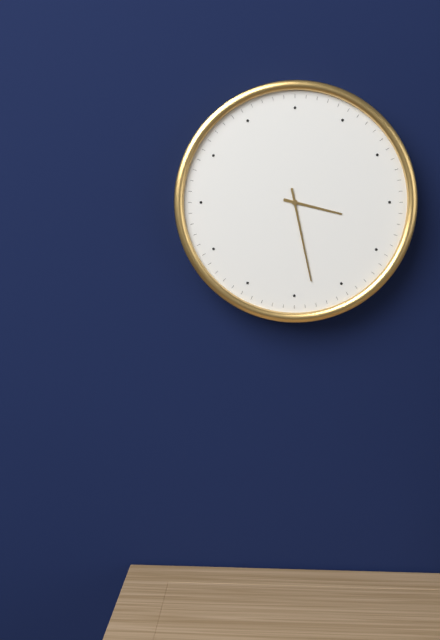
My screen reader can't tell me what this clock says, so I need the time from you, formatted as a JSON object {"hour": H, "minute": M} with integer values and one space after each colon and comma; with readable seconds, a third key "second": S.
{"hour": 3, "minute": 28}
